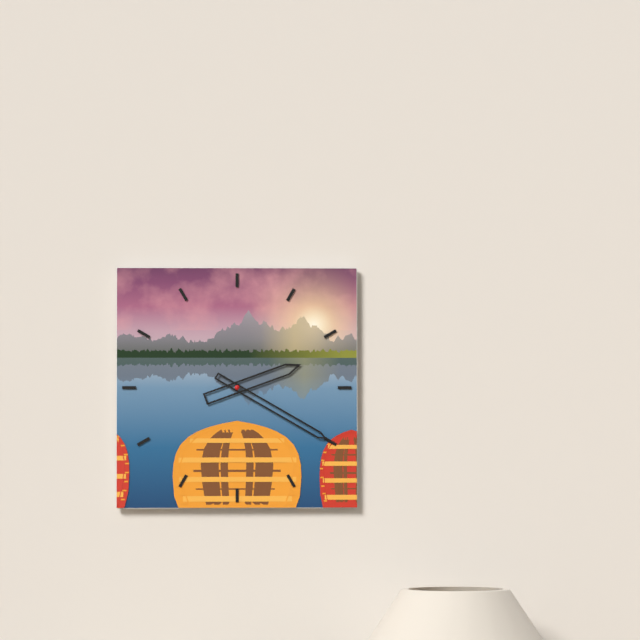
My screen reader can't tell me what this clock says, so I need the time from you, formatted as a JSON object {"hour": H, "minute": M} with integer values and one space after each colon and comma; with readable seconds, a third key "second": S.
{"hour": 2, "minute": 20}
